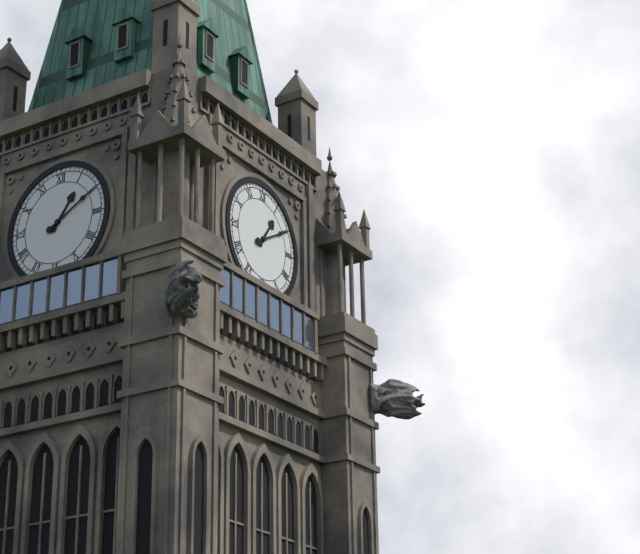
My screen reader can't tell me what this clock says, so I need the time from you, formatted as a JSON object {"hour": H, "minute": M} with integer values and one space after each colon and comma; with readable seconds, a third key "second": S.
{"hour": 1, "minute": 10}
